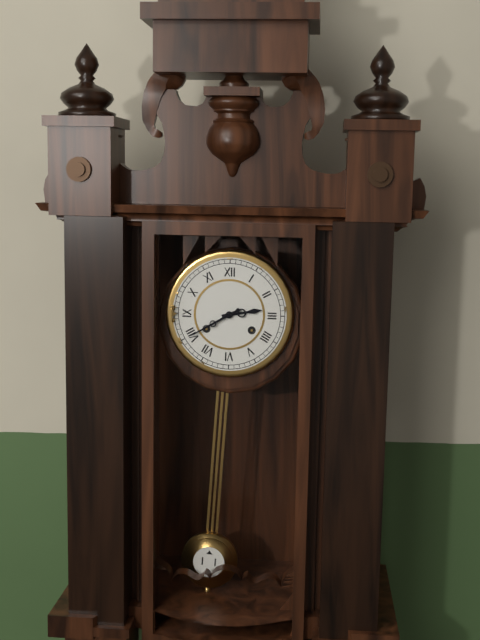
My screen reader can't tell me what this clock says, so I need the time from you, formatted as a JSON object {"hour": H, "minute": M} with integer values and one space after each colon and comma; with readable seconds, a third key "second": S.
{"hour": 2, "minute": 40}
